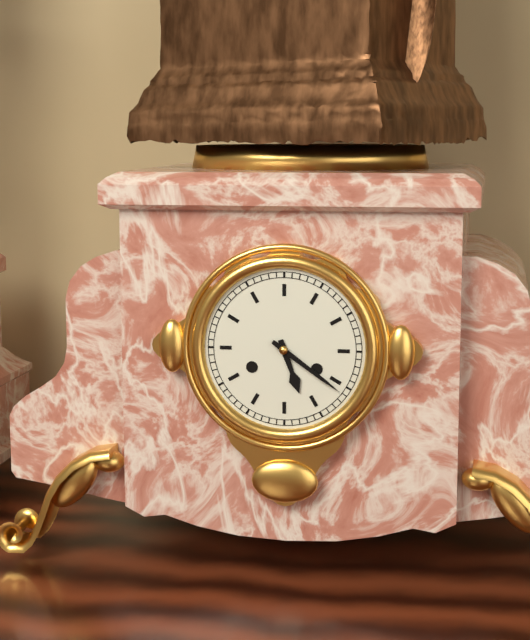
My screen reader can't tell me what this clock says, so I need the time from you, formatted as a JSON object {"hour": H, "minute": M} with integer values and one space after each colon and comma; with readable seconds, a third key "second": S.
{"hour": 5, "minute": 21}
